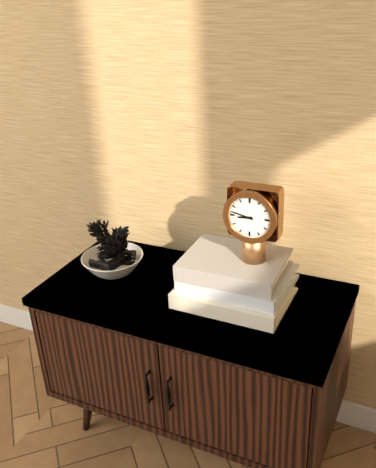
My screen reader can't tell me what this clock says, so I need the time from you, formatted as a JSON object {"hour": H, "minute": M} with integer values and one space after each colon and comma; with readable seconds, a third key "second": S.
{"hour": 8, "minute": 47}
